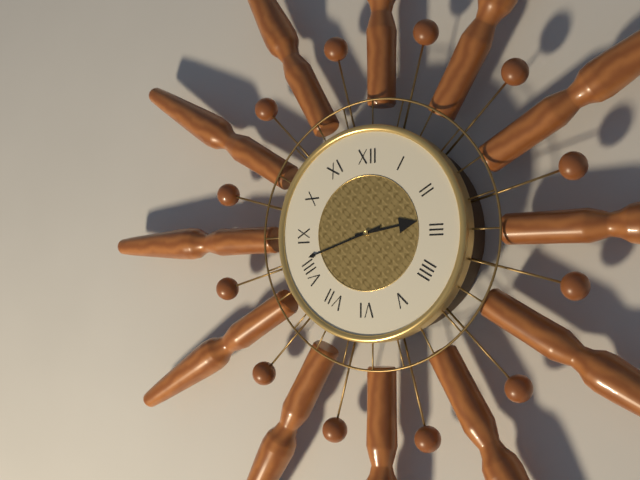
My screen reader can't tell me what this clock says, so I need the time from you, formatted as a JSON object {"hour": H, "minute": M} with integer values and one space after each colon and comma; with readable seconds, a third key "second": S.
{"hour": 2, "minute": 42}
